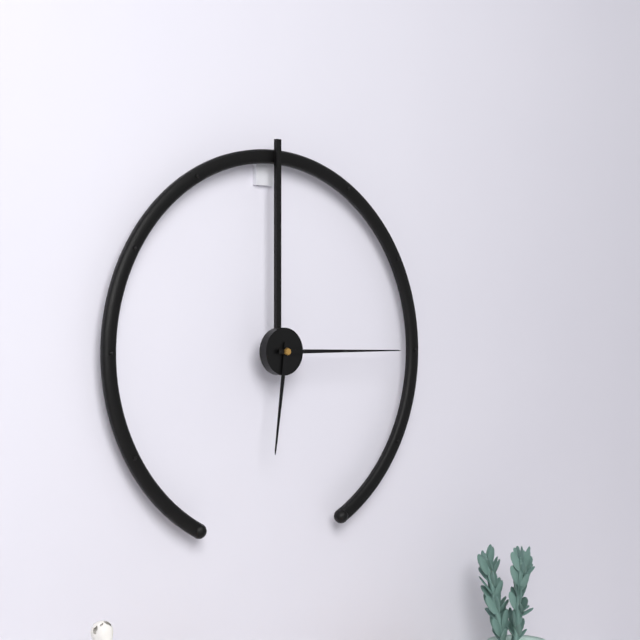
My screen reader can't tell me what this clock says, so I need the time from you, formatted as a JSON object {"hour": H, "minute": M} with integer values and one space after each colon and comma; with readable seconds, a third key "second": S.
{"hour": 6, "minute": 15}
